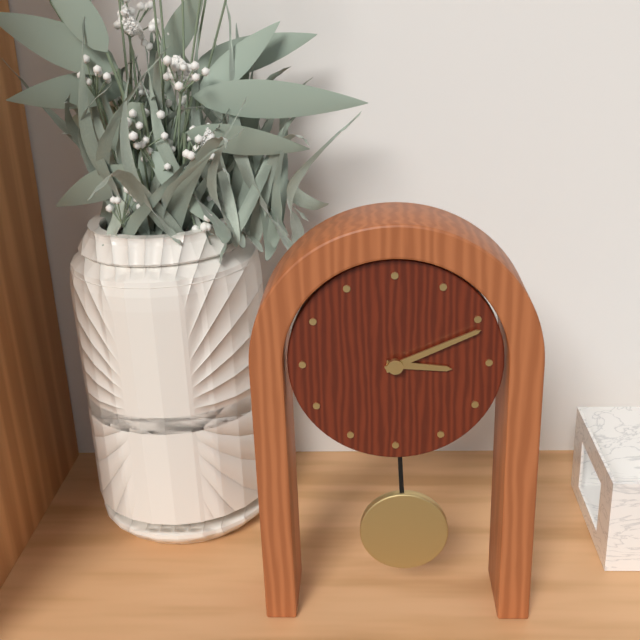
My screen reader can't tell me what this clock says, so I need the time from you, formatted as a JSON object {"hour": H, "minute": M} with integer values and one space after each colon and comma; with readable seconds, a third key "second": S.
{"hour": 3, "minute": 11}
